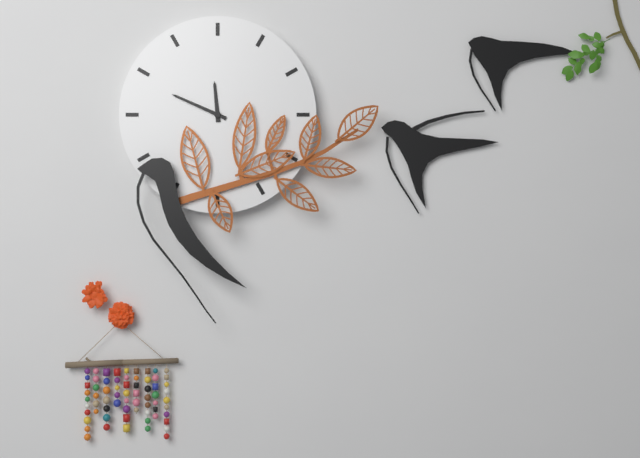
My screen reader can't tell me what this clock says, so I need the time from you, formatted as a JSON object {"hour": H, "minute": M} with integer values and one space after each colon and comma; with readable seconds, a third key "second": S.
{"hour": 11, "minute": 49}
